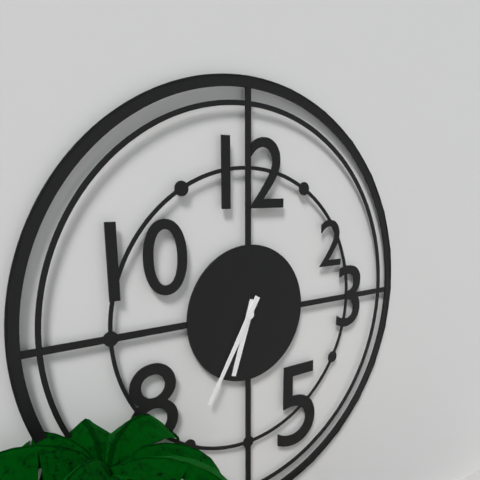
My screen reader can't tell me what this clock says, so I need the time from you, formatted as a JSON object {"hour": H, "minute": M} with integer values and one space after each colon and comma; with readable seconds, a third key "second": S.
{"hour": 6, "minute": 35}
